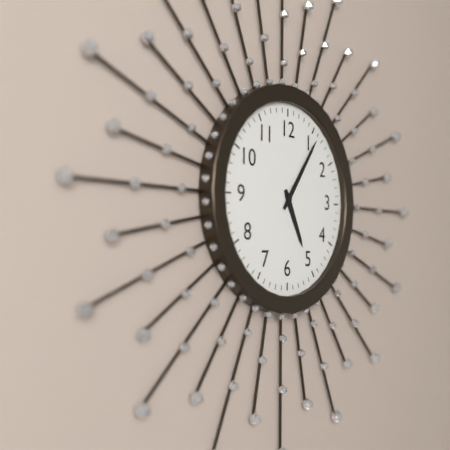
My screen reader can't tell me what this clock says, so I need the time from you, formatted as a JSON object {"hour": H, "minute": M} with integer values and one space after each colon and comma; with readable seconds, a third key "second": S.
{"hour": 5, "minute": 6}
